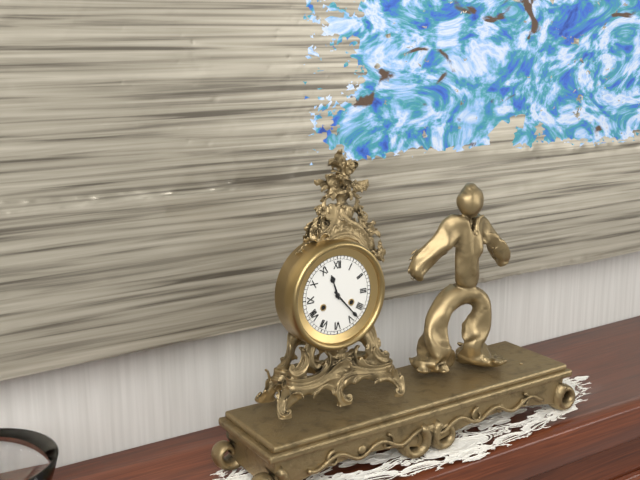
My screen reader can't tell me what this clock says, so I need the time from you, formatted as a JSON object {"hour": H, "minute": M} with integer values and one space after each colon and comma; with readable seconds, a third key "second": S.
{"hour": 11, "minute": 23}
